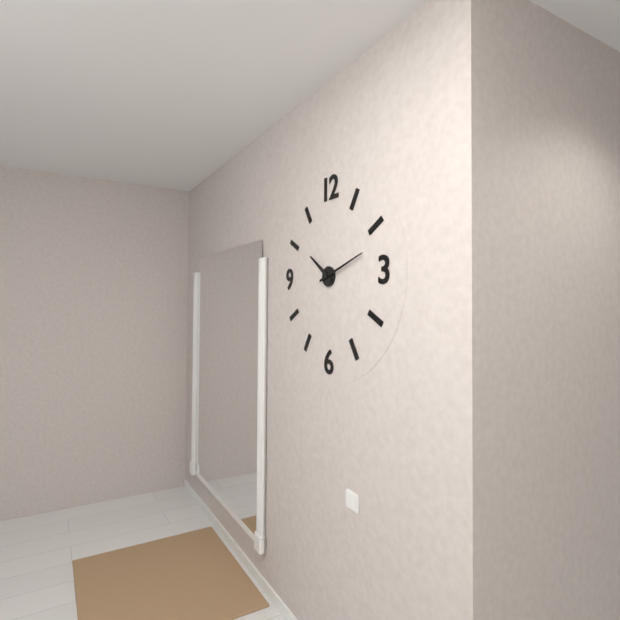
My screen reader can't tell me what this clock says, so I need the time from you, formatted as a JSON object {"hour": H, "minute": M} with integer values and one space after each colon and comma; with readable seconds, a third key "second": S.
{"hour": 10, "minute": 12}
